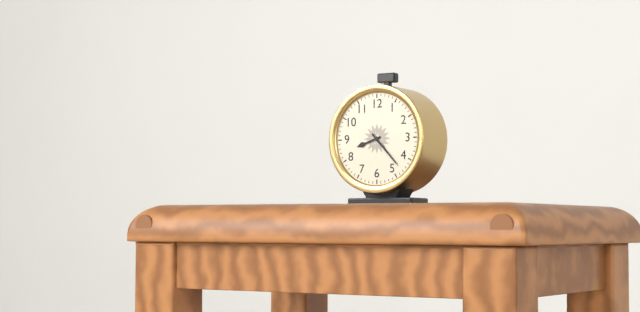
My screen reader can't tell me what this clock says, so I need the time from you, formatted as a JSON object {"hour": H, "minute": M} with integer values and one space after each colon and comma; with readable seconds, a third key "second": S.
{"hour": 8, "minute": 23}
